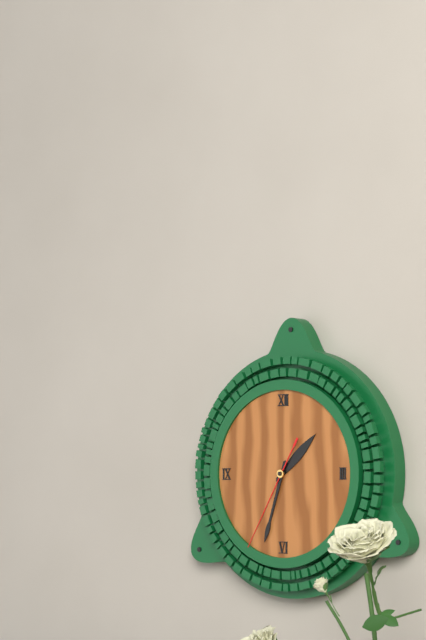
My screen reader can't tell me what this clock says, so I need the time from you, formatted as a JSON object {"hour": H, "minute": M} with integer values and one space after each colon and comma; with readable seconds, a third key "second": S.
{"hour": 1, "minute": 33, "second": 35}
